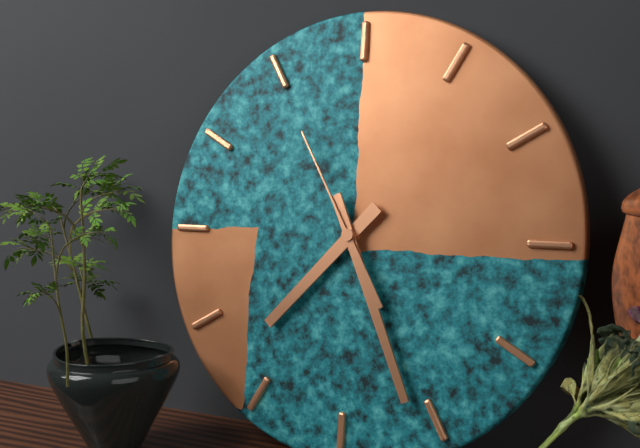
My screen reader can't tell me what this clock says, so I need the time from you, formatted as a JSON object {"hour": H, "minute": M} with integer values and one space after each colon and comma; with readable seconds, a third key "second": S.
{"hour": 7, "minute": 26, "second": 55}
